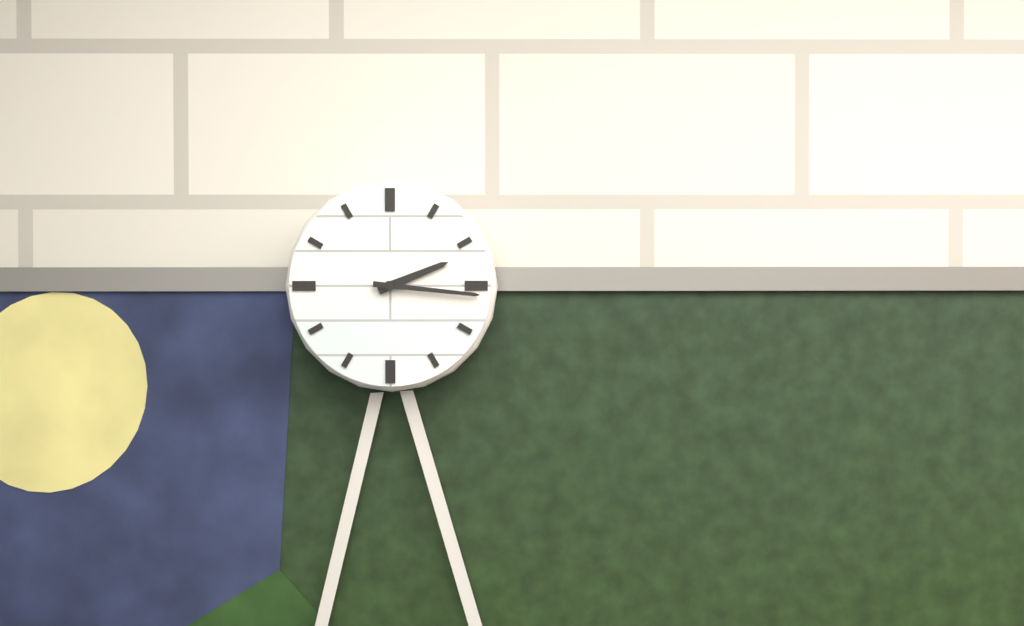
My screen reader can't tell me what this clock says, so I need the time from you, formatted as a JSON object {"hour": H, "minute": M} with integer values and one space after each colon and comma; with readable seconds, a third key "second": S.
{"hour": 2, "minute": 16}
